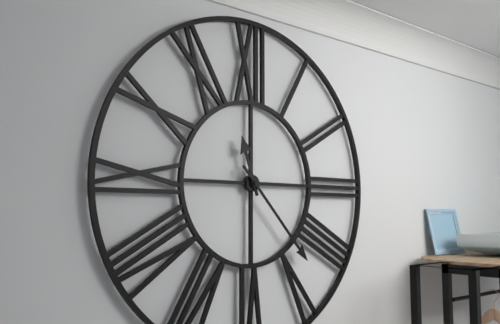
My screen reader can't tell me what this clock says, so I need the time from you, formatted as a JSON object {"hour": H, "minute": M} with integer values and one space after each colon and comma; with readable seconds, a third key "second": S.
{"hour": 11, "minute": 23}
